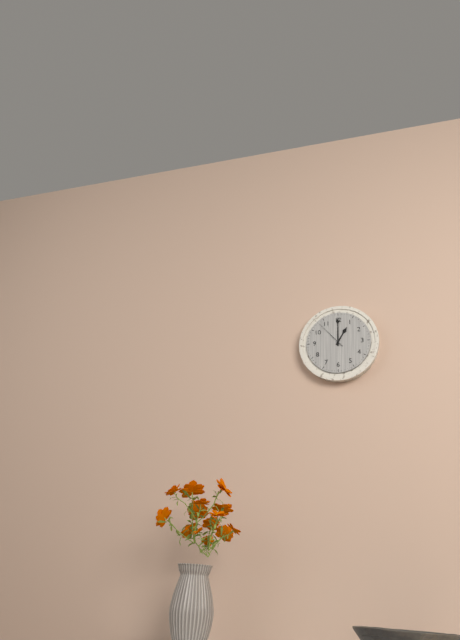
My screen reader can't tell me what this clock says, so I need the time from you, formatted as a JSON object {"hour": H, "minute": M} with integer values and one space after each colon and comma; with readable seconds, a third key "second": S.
{"hour": 1, "minute": 0}
